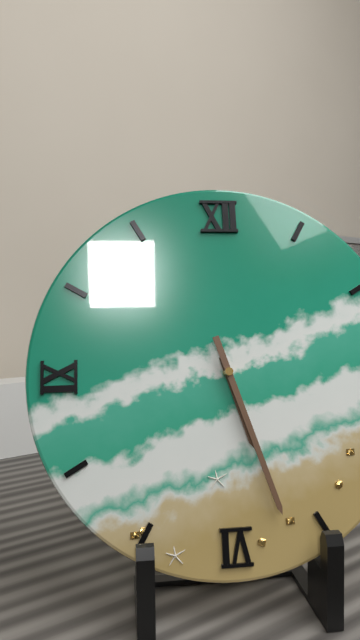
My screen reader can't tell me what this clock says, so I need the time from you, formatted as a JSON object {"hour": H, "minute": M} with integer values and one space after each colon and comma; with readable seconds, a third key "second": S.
{"hour": 5, "minute": 27}
